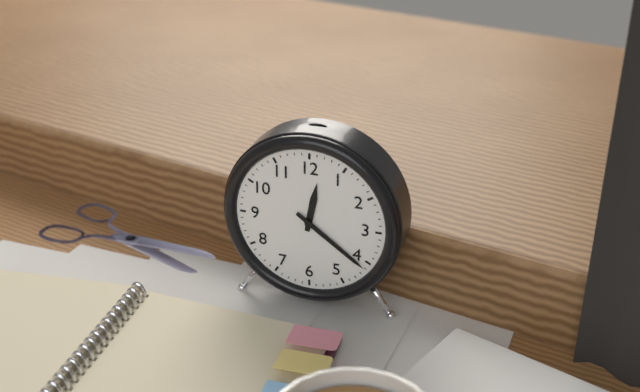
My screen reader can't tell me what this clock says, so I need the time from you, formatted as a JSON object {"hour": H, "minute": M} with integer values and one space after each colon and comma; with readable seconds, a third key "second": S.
{"hour": 12, "minute": 21}
